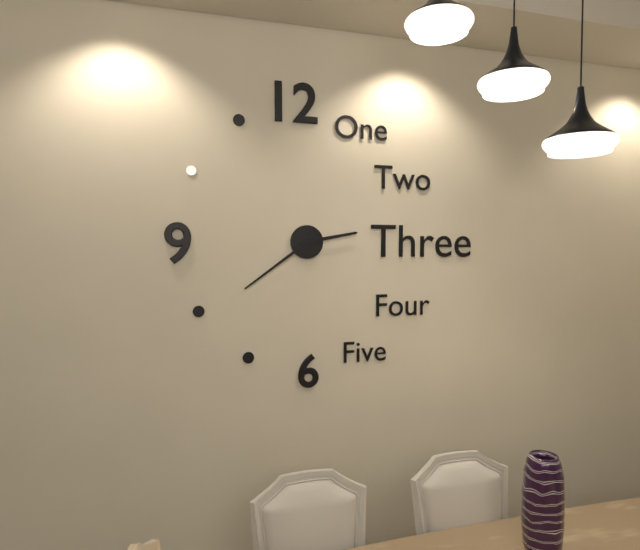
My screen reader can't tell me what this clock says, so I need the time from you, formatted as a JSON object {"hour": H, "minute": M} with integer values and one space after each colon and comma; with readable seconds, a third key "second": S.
{"hour": 2, "minute": 39}
